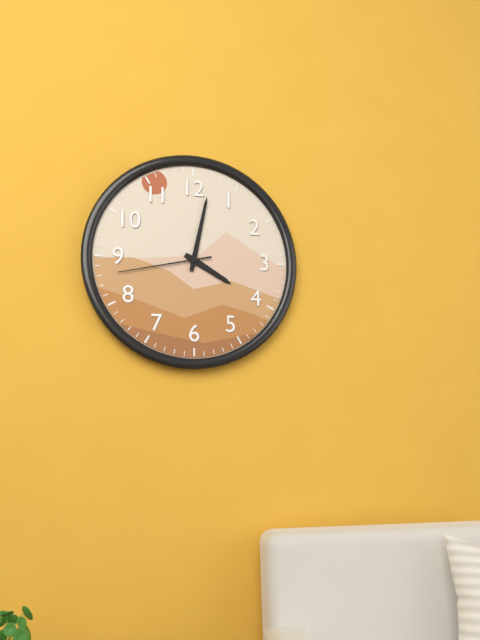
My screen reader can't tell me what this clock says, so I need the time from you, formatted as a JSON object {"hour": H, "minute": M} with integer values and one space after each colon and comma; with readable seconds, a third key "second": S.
{"hour": 4, "minute": 2, "second": 43}
